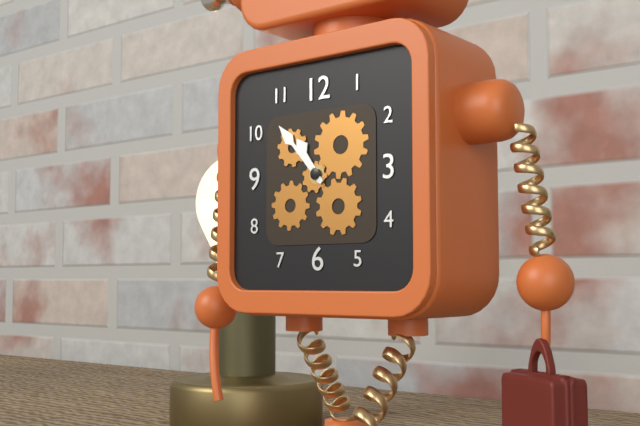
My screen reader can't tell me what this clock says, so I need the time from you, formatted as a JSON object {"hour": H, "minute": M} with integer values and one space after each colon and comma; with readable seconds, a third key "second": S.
{"hour": 10, "minute": 53}
